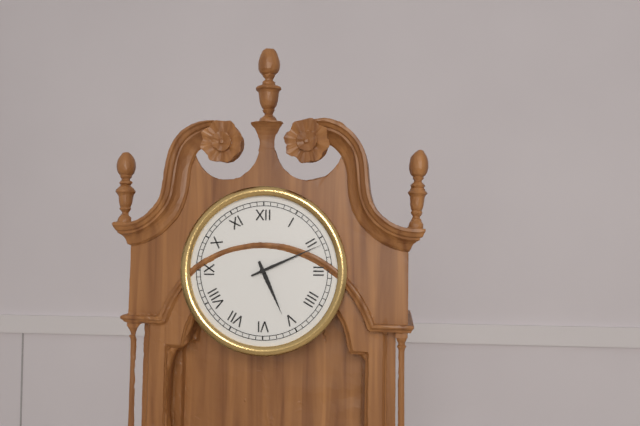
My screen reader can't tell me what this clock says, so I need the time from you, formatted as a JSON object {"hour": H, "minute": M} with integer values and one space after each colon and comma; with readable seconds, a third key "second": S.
{"hour": 5, "minute": 11}
